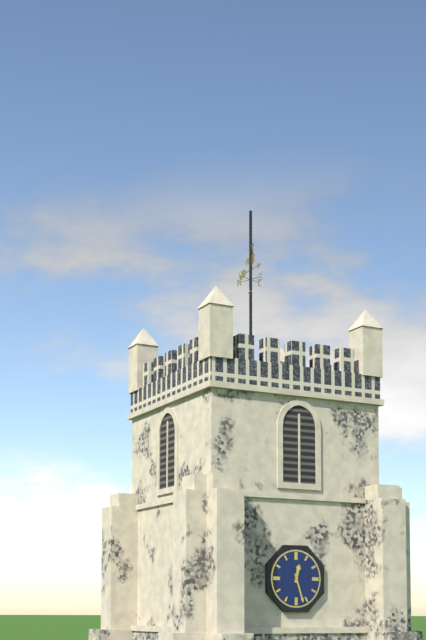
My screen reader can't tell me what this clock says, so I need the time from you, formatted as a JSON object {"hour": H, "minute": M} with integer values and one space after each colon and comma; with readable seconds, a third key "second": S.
{"hour": 12, "minute": 27}
